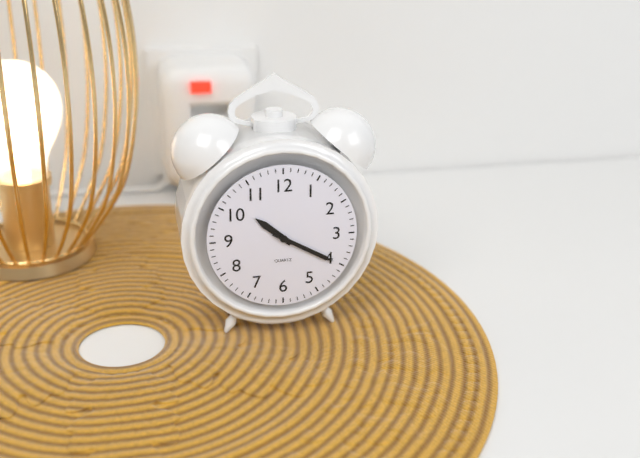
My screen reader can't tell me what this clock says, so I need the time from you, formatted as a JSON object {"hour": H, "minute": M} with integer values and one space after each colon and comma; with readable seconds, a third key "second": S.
{"hour": 10, "minute": 20}
